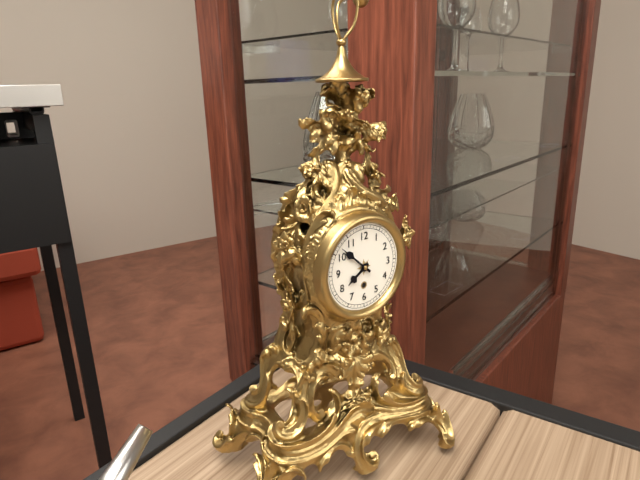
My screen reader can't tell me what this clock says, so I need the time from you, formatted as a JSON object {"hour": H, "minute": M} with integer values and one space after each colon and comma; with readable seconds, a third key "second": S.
{"hour": 7, "minute": 52}
